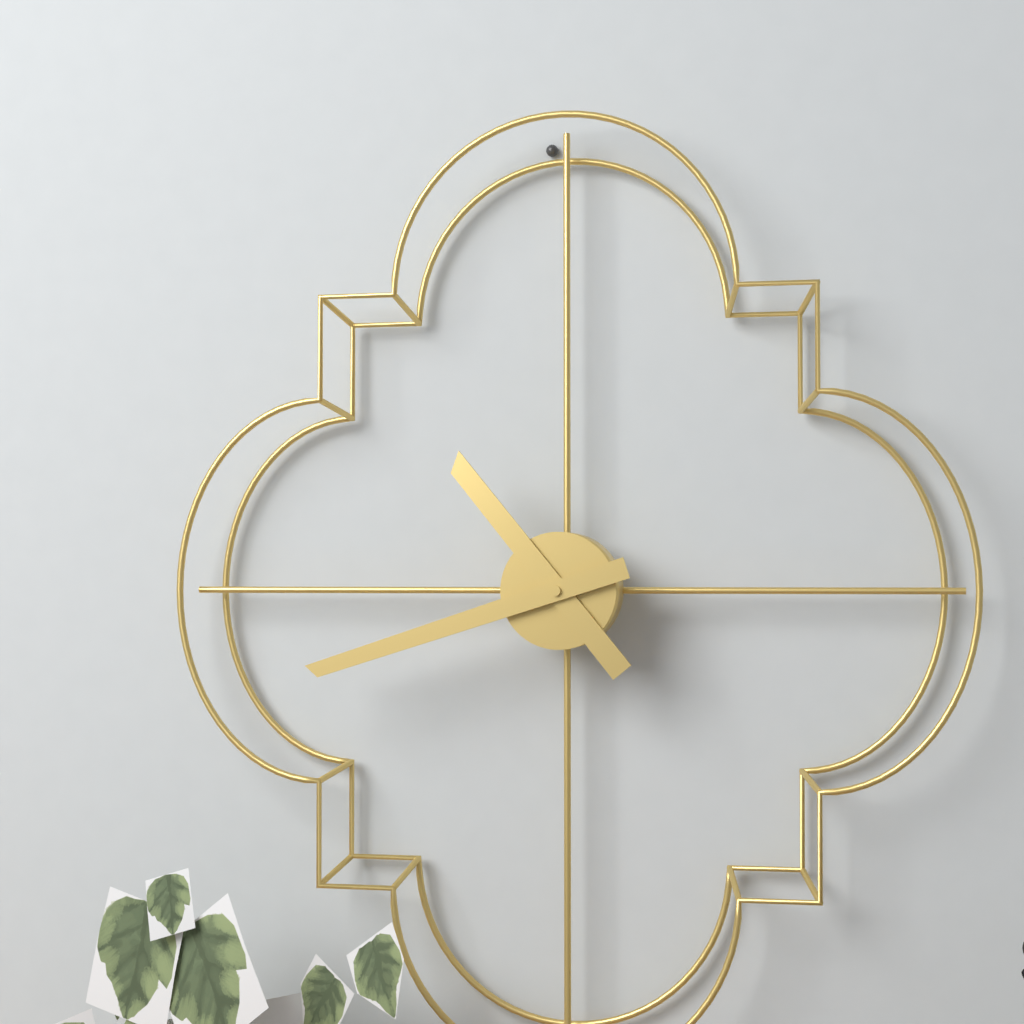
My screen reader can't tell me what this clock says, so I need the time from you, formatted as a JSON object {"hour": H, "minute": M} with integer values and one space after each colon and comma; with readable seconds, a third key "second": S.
{"hour": 10, "minute": 42}
